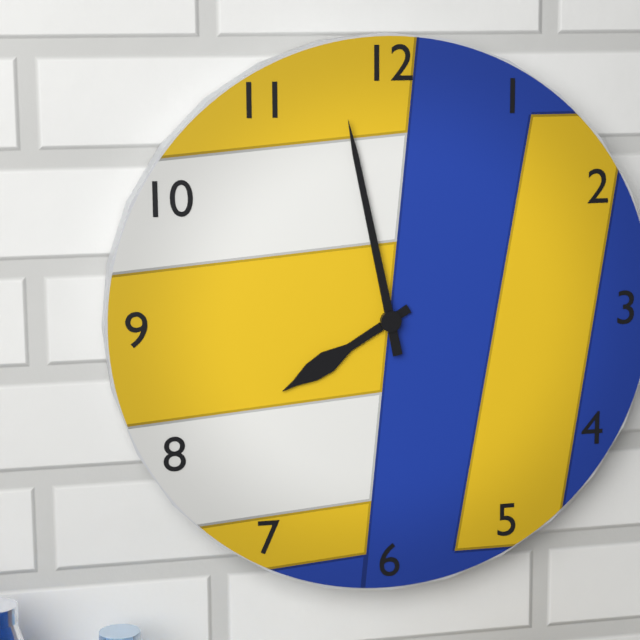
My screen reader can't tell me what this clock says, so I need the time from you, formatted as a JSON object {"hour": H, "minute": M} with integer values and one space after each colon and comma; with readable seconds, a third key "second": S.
{"hour": 7, "minute": 58}
